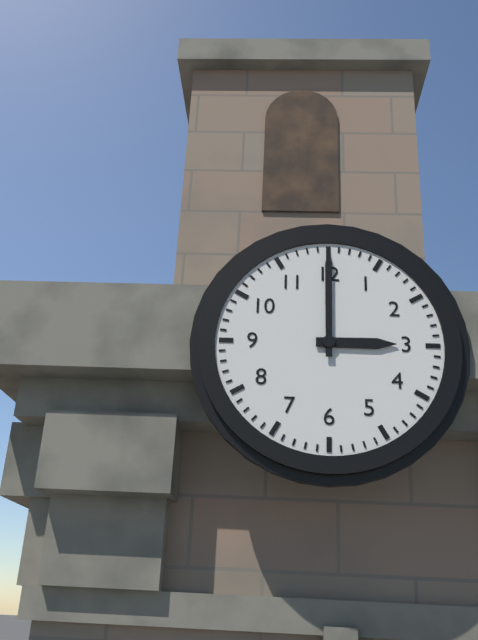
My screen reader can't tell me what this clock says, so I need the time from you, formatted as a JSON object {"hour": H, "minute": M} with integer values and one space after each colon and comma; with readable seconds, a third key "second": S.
{"hour": 3, "minute": 0}
